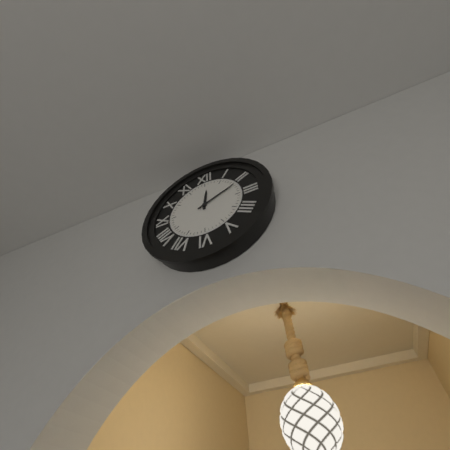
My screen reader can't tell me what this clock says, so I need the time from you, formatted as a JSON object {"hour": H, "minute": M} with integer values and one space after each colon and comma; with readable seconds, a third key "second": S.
{"hour": 12, "minute": 11}
